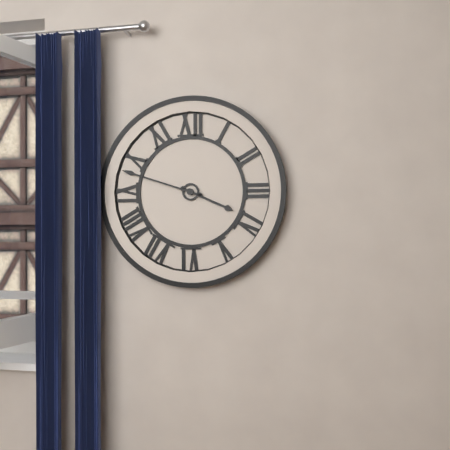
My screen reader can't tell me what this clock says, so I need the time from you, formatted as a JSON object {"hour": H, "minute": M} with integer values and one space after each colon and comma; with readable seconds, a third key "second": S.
{"hour": 3, "minute": 48}
